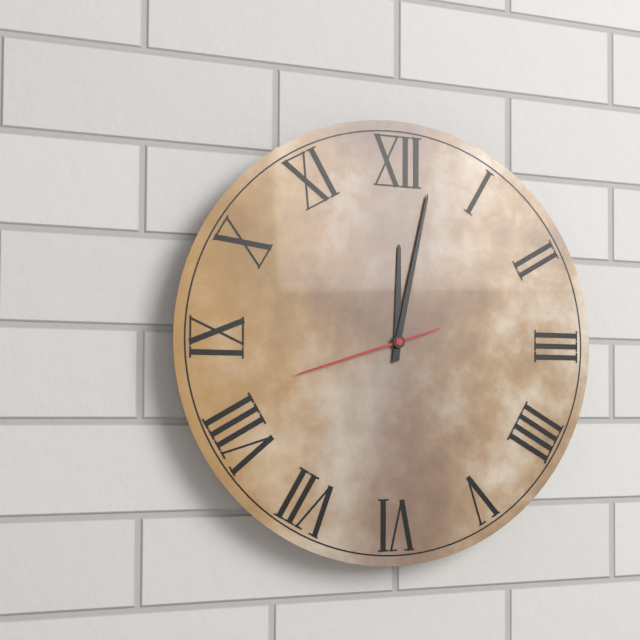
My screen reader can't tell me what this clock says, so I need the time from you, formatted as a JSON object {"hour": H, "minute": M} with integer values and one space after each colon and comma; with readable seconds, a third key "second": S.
{"hour": 12, "minute": 2, "second": 42}
